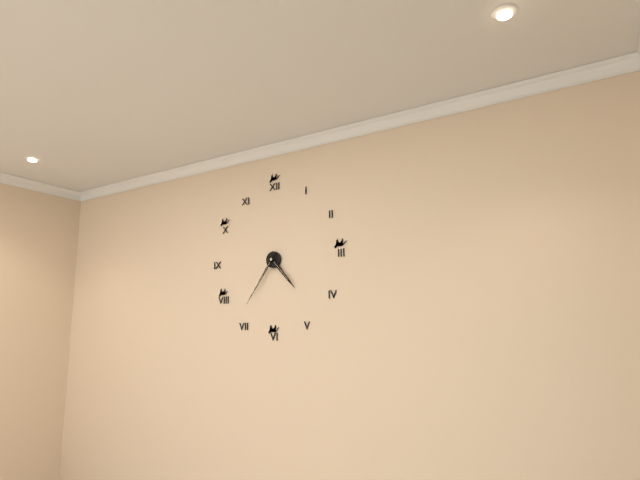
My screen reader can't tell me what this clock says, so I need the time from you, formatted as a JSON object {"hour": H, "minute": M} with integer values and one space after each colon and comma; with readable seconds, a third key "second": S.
{"hour": 4, "minute": 36}
